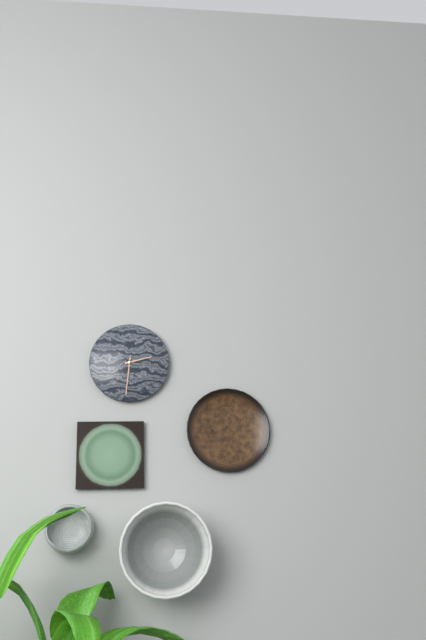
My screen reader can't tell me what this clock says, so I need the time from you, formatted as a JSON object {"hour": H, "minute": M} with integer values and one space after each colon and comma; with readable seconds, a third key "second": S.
{"hour": 2, "minute": 31}
